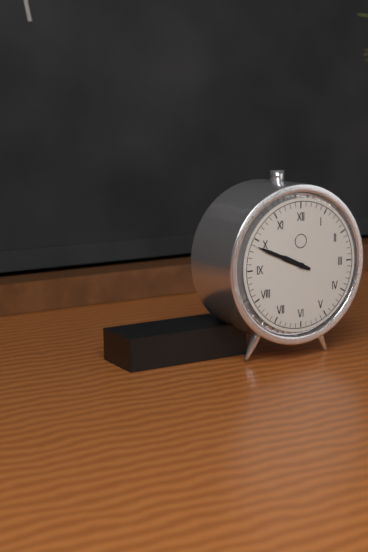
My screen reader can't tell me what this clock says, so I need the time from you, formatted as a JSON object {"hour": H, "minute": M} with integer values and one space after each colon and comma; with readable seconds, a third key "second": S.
{"hour": 9, "minute": 49}
